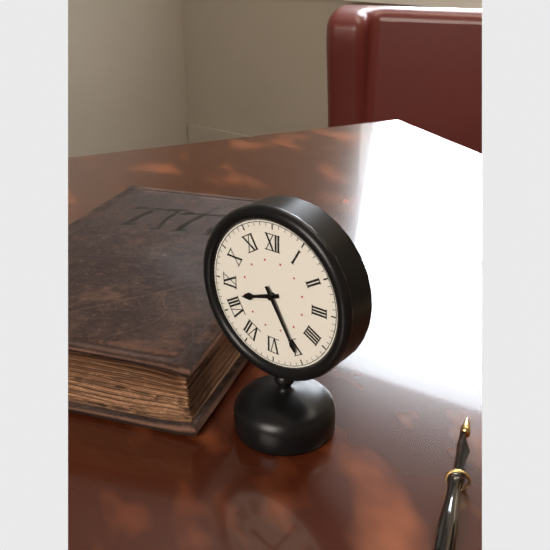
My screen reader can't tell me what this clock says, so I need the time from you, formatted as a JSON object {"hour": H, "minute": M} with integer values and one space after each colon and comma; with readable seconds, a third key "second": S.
{"hour": 8, "minute": 25}
